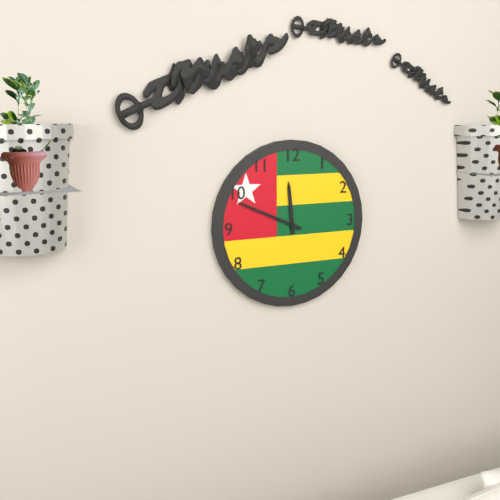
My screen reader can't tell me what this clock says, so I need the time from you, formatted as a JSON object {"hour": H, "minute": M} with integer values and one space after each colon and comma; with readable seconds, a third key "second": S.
{"hour": 11, "minute": 49}
